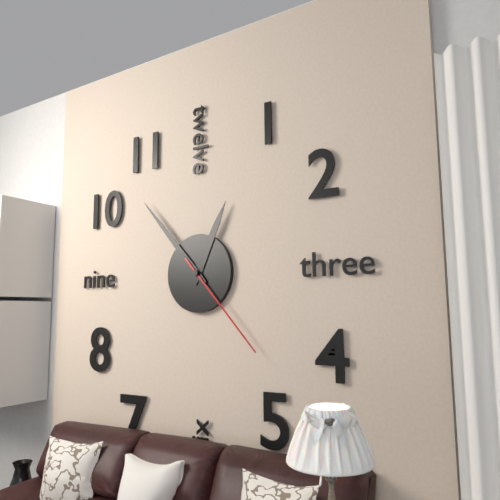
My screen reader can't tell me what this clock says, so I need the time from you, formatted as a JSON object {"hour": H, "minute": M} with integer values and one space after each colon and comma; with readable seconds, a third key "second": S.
{"hour": 12, "minute": 53, "second": 23}
